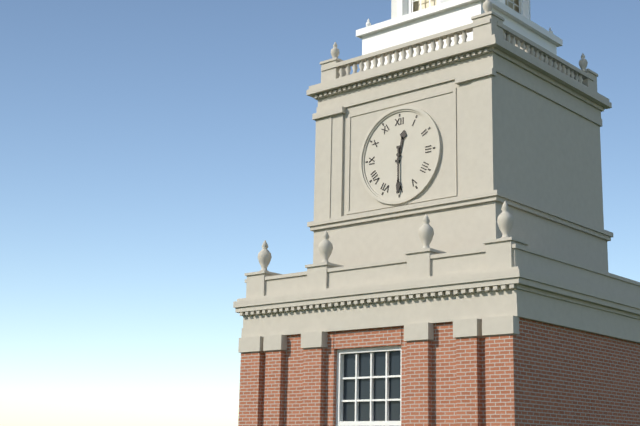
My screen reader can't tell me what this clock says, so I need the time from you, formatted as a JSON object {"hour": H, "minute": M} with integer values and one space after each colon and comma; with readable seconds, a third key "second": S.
{"hour": 12, "minute": 30}
